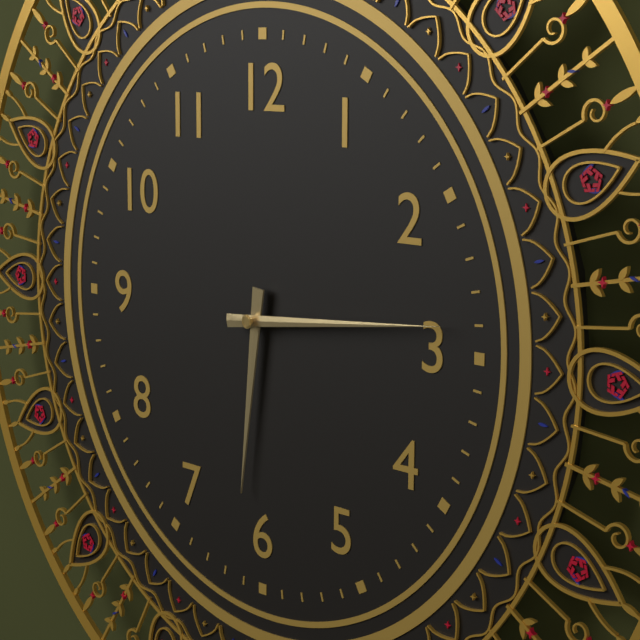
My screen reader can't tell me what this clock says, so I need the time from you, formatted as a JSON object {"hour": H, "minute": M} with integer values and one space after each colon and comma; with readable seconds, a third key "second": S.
{"hour": 6, "minute": 14}
